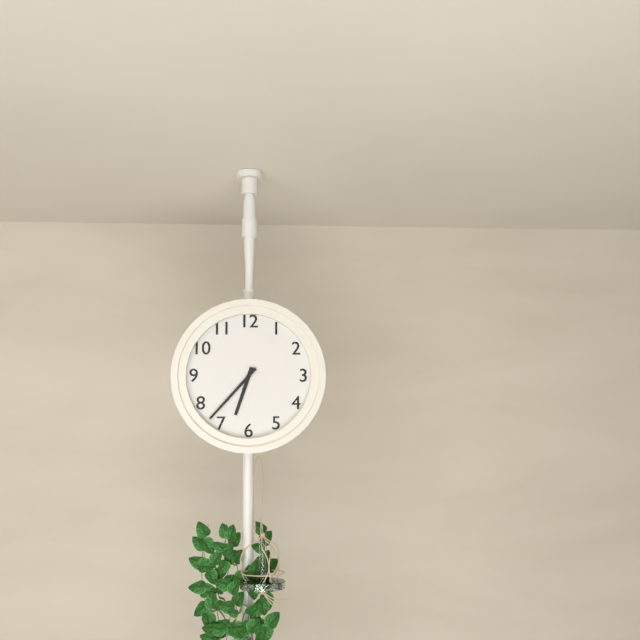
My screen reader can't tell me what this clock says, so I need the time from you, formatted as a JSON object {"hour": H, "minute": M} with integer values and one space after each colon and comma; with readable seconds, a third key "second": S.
{"hour": 6, "minute": 37}
